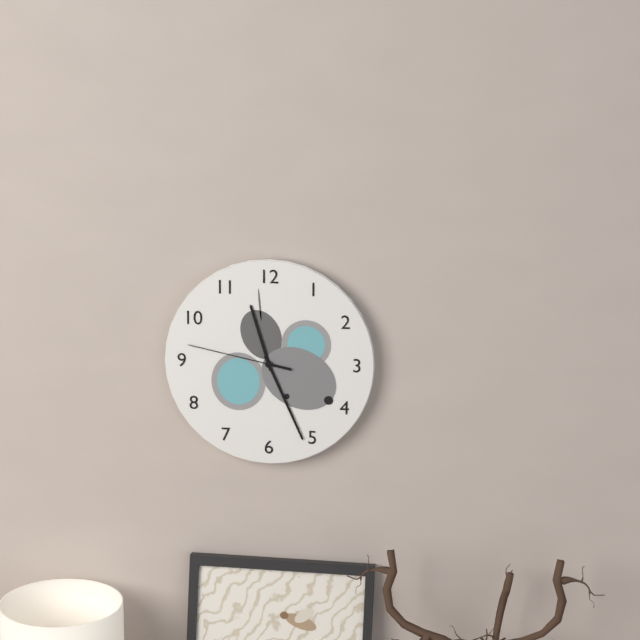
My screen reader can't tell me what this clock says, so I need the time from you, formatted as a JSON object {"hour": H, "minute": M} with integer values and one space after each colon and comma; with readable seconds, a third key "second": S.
{"hour": 11, "minute": 26, "second": 47}
